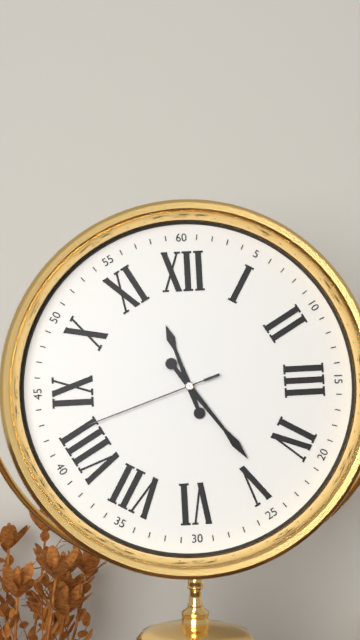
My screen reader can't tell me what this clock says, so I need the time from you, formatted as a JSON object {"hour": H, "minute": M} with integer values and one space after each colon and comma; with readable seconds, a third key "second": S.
{"hour": 11, "minute": 24, "second": 42}
